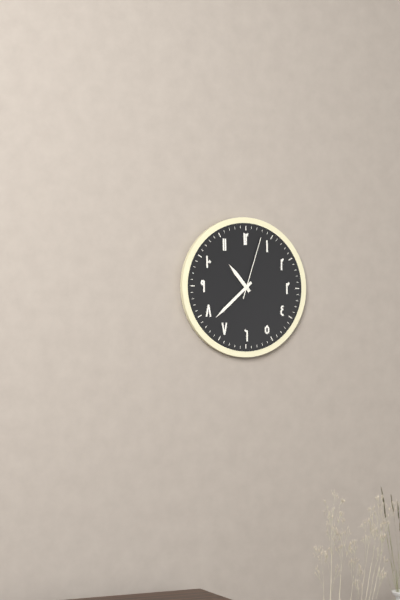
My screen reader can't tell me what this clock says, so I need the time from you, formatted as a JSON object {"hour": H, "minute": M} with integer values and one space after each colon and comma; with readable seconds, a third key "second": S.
{"hour": 10, "minute": 38, "second": 3}
